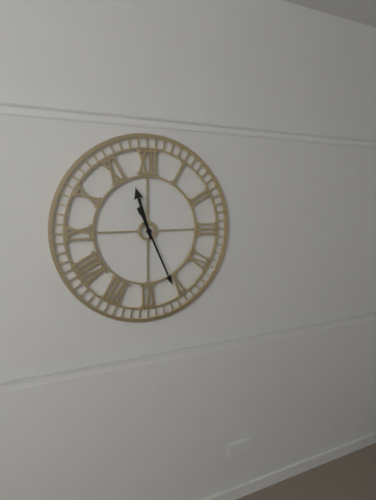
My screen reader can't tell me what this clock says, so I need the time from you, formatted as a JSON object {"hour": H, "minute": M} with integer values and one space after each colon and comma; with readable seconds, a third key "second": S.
{"hour": 11, "minute": 26}
